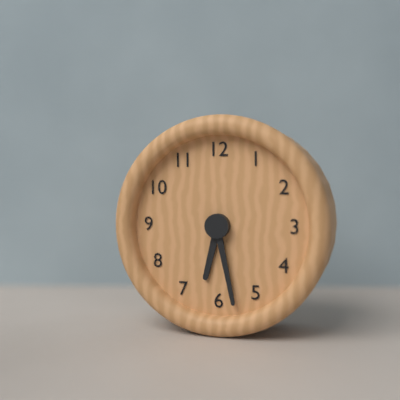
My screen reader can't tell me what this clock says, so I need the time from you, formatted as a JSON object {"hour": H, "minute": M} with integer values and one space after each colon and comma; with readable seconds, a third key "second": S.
{"hour": 6, "minute": 28}
